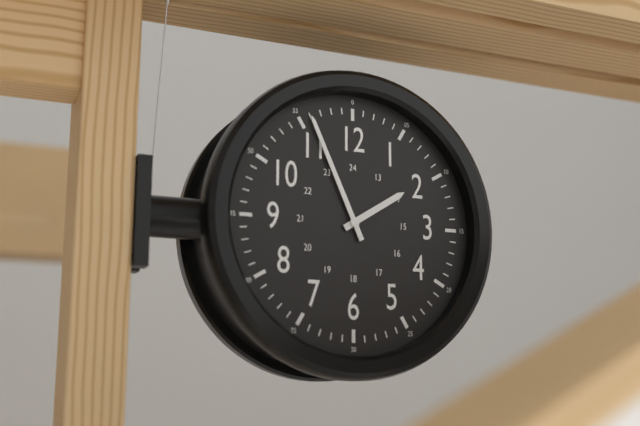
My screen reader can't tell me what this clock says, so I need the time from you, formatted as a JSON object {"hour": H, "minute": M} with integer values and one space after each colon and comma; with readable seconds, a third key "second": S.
{"hour": 1, "minute": 56}
